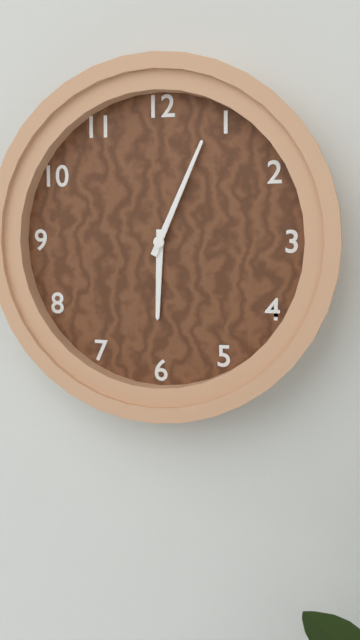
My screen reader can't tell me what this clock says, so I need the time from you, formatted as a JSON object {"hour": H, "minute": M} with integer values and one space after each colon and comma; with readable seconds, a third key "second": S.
{"hour": 6, "minute": 4}
